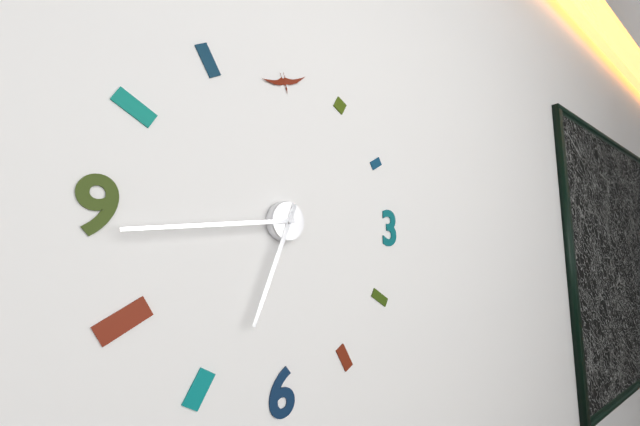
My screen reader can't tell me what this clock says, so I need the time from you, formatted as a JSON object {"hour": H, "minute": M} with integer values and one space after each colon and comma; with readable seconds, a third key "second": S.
{"hour": 6, "minute": 44}
